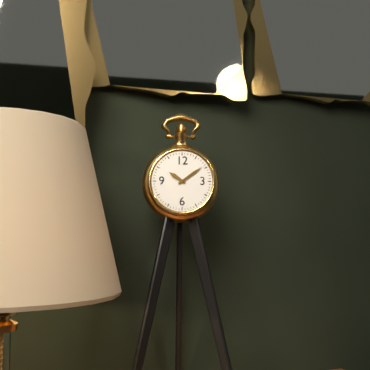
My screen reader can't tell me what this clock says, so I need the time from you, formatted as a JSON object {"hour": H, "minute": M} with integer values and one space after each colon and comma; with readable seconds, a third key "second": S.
{"hour": 10, "minute": 9}
